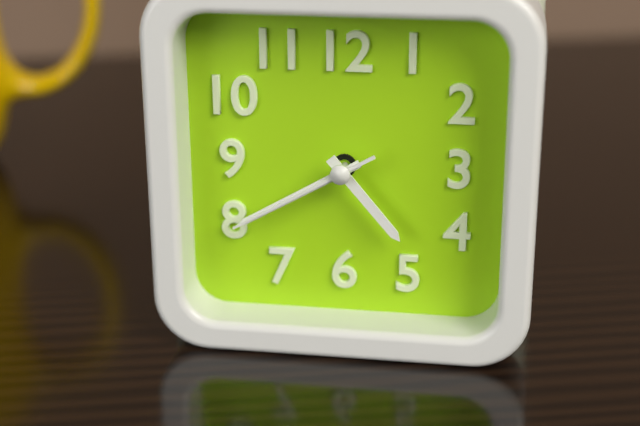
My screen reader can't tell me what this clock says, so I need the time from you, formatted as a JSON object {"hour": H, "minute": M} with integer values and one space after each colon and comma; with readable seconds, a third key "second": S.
{"hour": 4, "minute": 40, "second": 40}
